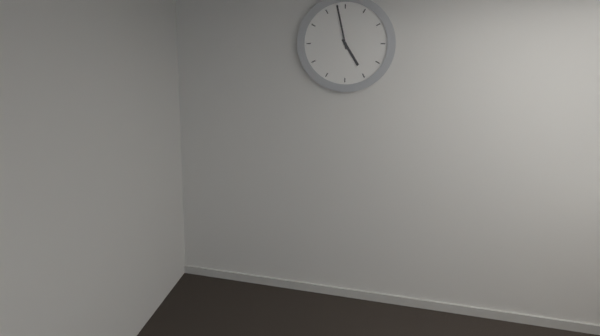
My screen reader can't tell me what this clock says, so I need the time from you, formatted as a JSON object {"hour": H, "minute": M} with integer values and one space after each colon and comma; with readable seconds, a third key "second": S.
{"hour": 4, "minute": 58}
